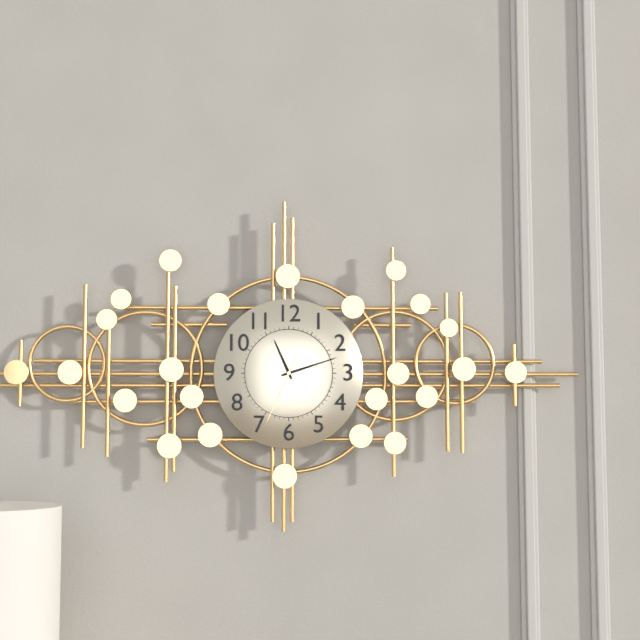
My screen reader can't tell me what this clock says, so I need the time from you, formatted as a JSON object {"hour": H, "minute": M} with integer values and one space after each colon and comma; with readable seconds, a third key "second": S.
{"hour": 11, "minute": 12, "second": 34}
